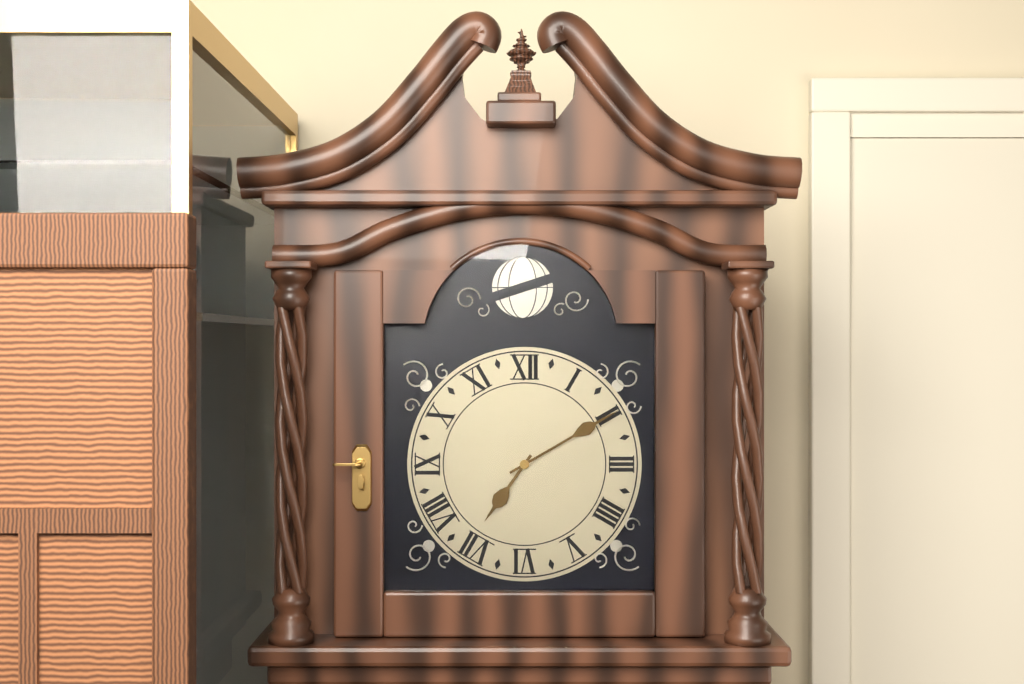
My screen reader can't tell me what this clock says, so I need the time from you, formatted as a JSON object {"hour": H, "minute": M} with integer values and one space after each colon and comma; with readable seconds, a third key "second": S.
{"hour": 7, "minute": 10}
